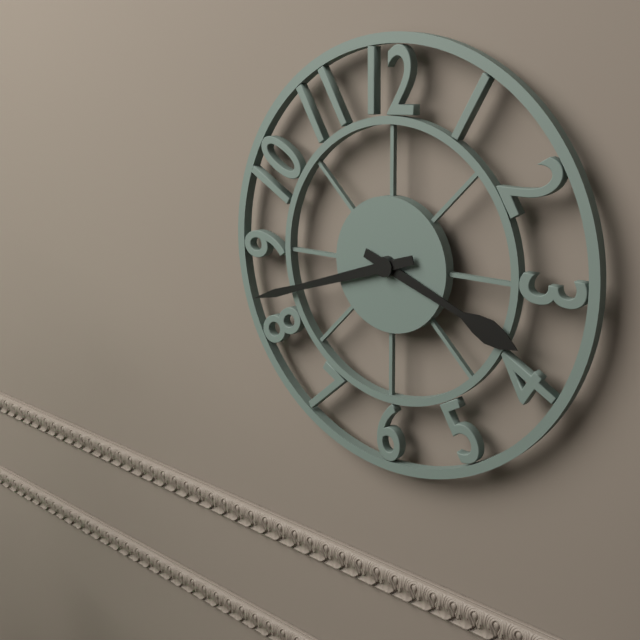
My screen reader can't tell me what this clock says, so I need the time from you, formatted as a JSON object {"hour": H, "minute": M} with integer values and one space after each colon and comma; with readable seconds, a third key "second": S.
{"hour": 3, "minute": 42}
